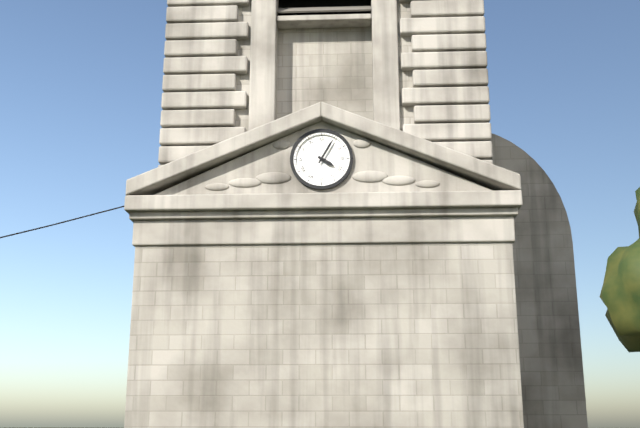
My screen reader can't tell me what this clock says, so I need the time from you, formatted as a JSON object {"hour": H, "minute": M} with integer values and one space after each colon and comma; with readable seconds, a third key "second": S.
{"hour": 4, "minute": 5}
